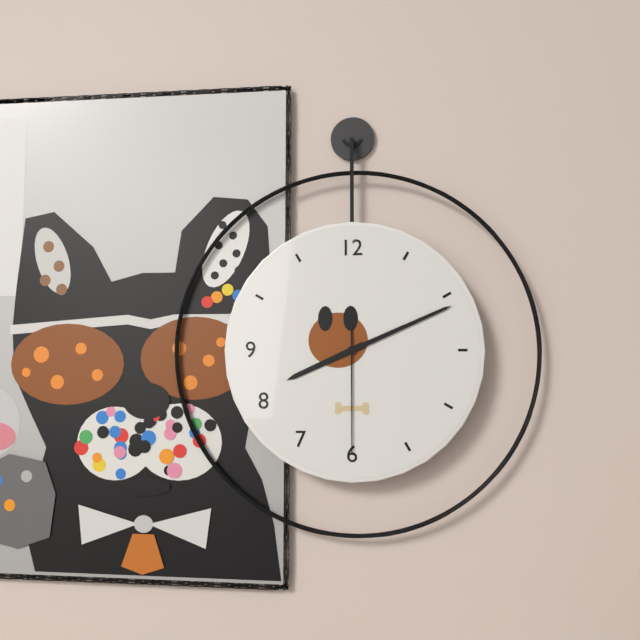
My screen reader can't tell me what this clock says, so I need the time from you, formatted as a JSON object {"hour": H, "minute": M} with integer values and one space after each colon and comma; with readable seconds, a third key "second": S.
{"hour": 8, "minute": 11, "second": 30}
